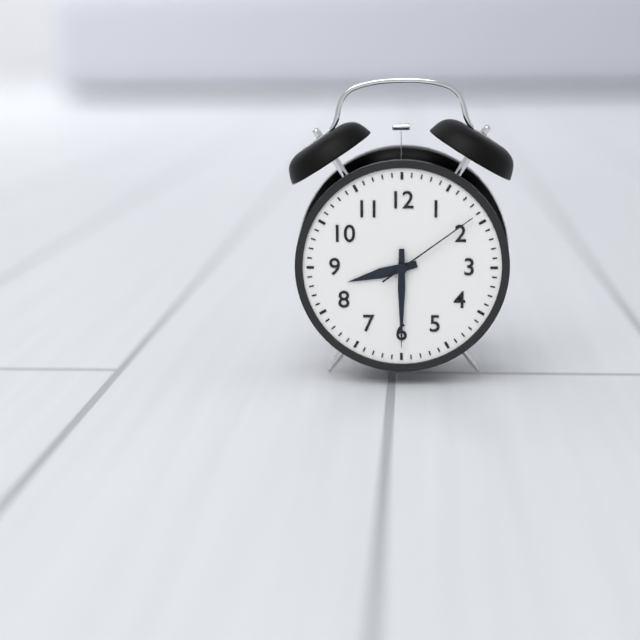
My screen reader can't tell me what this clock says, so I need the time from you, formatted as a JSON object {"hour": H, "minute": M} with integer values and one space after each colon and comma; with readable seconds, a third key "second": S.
{"hour": 8, "minute": 30, "second": 9}
